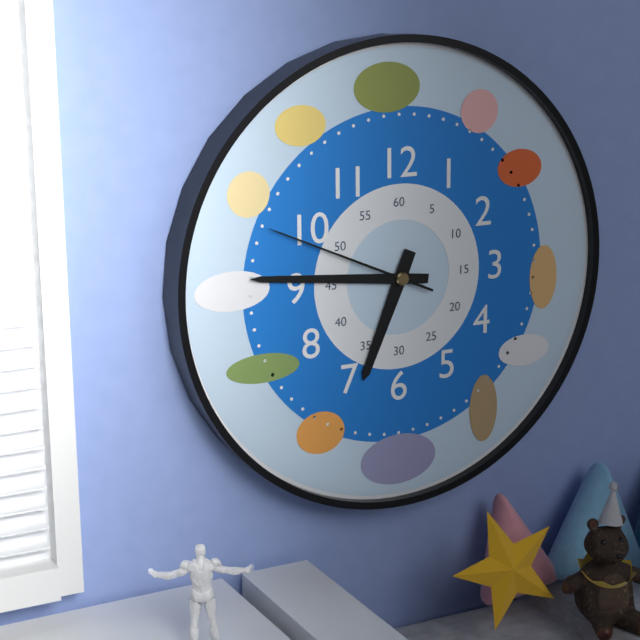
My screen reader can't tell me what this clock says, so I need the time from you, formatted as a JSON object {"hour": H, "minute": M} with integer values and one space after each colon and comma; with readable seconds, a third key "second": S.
{"hour": 6, "minute": 46, "second": 49}
